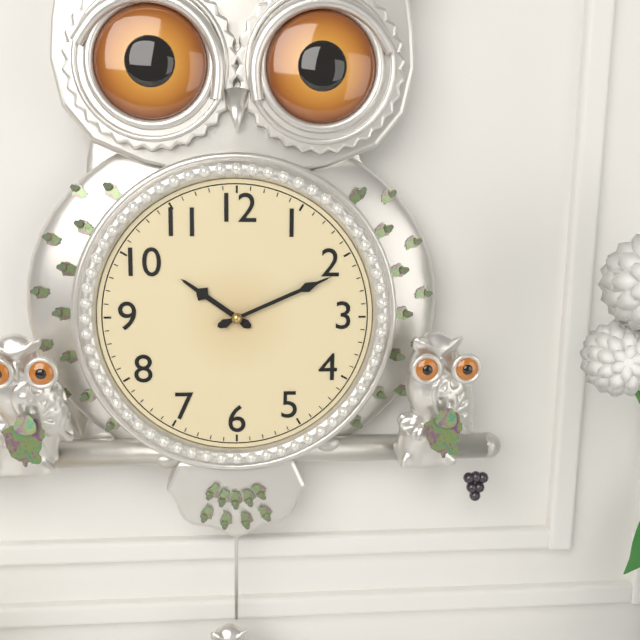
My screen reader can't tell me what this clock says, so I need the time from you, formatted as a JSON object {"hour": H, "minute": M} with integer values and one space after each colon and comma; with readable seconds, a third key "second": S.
{"hour": 10, "minute": 11}
